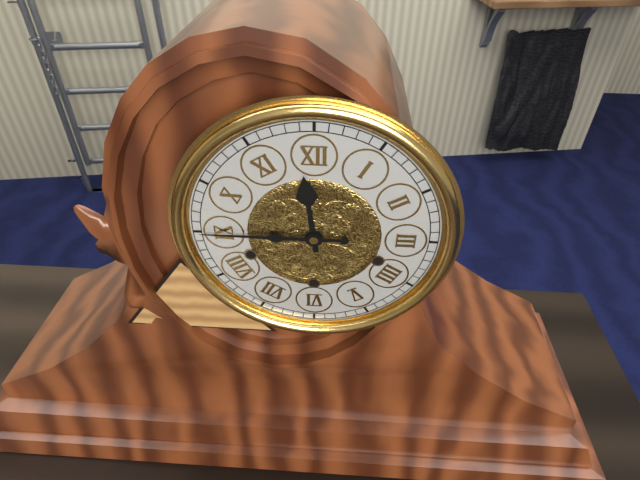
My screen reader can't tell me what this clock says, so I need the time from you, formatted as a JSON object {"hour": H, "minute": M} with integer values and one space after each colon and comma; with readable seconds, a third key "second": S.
{"hour": 11, "minute": 45}
